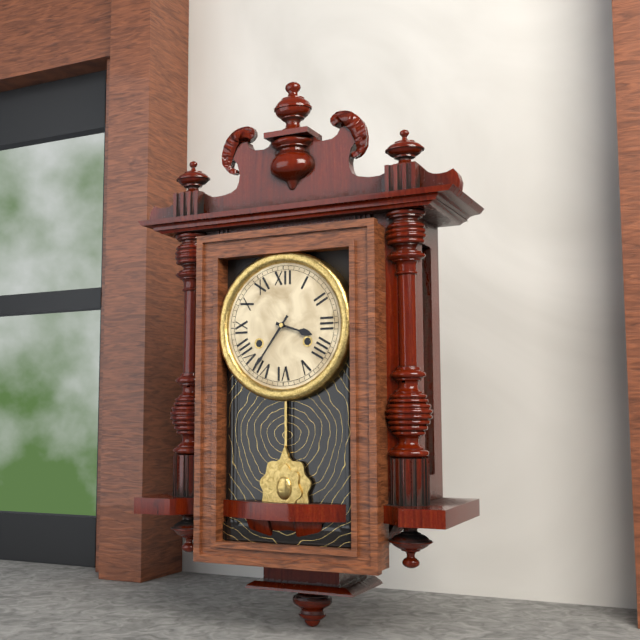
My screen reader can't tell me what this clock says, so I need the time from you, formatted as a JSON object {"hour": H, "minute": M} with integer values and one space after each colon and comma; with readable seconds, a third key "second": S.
{"hour": 3, "minute": 36}
